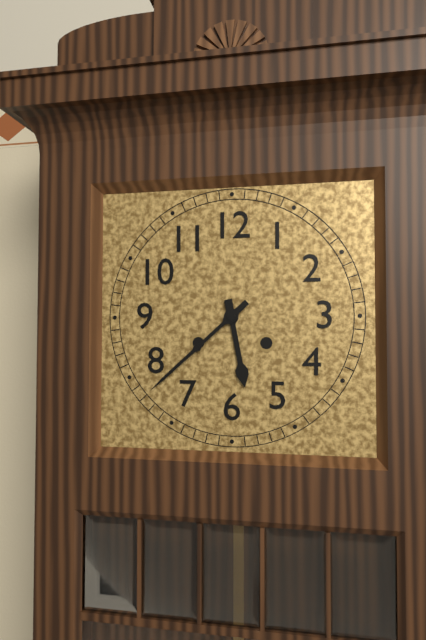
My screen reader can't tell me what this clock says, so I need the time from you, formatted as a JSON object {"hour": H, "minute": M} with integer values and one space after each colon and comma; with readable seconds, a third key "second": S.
{"hour": 5, "minute": 38}
